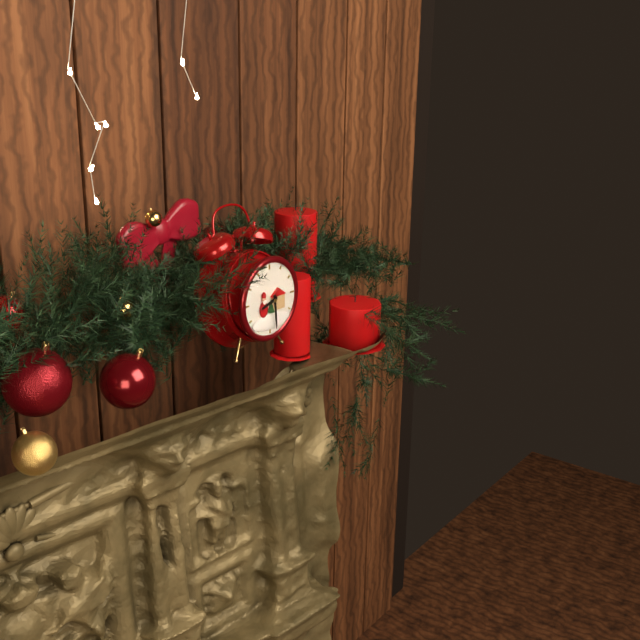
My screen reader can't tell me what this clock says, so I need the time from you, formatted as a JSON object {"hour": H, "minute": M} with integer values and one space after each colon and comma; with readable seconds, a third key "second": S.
{"hour": 8, "minute": 29}
